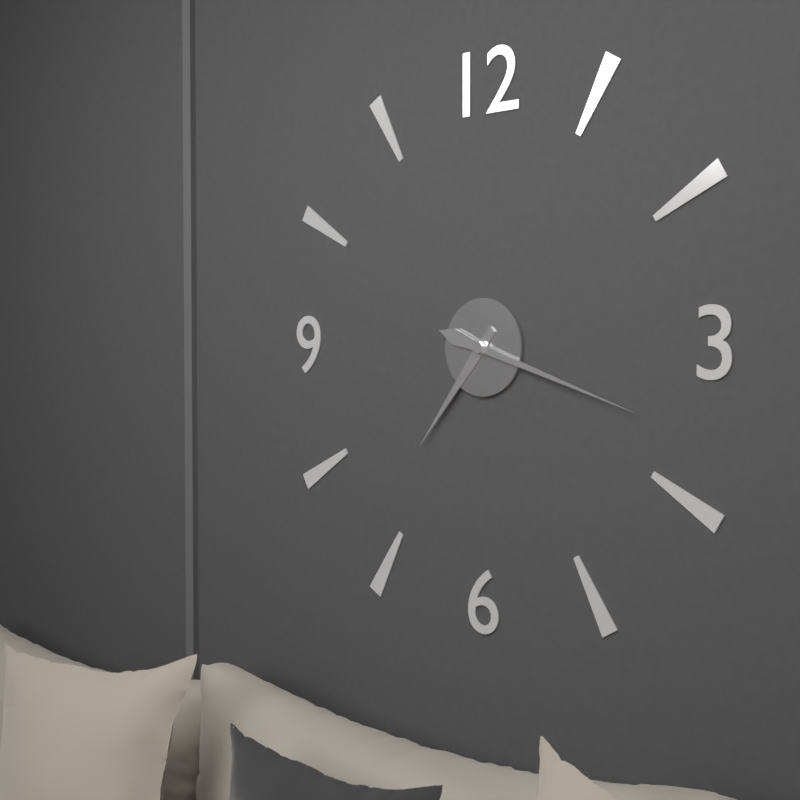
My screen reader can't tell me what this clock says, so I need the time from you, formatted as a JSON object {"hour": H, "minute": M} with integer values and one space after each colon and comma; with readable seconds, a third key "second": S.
{"hour": 7, "minute": 18}
